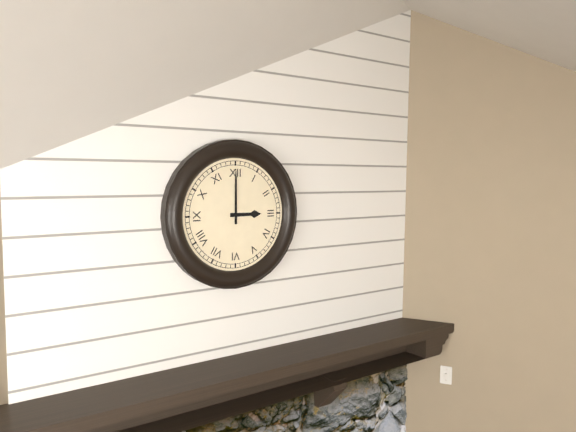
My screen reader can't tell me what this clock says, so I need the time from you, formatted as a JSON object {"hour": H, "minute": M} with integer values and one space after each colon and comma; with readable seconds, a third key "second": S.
{"hour": 3, "minute": 0}
